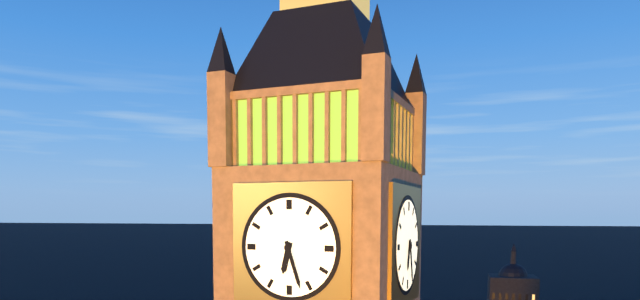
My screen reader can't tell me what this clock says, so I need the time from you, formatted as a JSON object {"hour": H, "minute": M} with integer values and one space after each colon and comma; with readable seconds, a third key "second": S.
{"hour": 6, "minute": 27}
